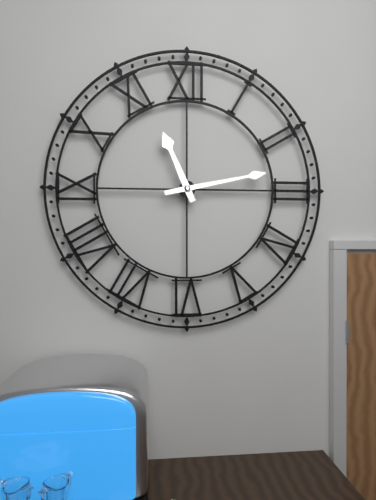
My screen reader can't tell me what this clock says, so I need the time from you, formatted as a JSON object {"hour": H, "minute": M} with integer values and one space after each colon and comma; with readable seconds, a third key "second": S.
{"hour": 11, "minute": 13}
